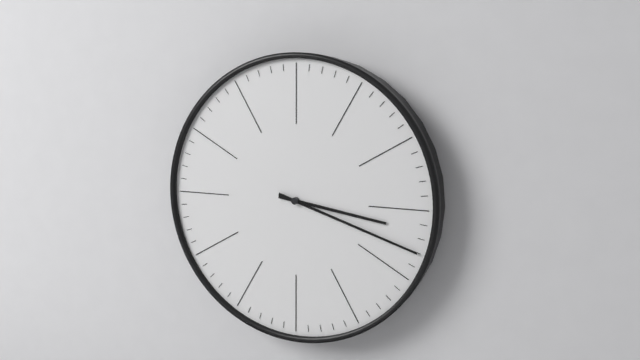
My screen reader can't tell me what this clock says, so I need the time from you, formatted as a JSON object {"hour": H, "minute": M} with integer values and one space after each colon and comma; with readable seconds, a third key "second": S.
{"hour": 3, "minute": 18}
